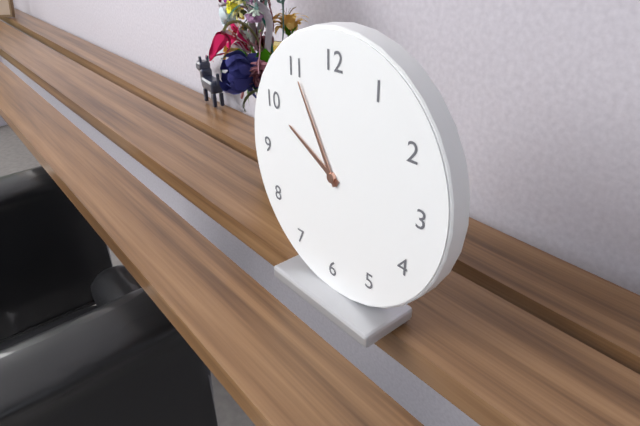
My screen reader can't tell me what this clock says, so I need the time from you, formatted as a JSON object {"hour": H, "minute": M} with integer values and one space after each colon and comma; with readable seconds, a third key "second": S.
{"hour": 9, "minute": 55}
